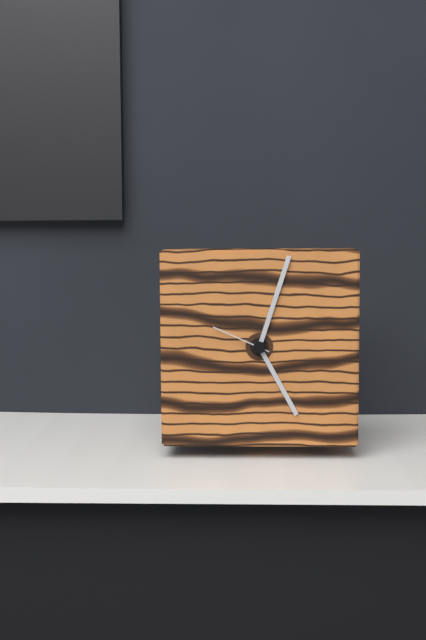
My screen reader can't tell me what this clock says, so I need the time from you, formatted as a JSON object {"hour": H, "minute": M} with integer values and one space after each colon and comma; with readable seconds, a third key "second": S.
{"hour": 5, "minute": 3, "second": 49}
